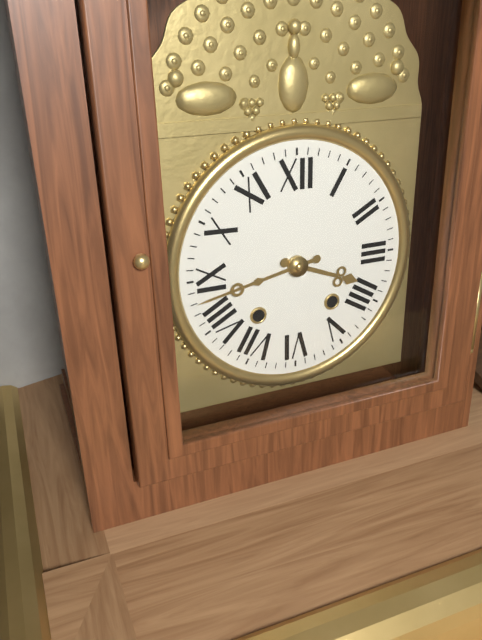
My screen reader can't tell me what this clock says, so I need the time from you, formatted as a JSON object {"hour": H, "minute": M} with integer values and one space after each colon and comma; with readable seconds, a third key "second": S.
{"hour": 3, "minute": 43}
